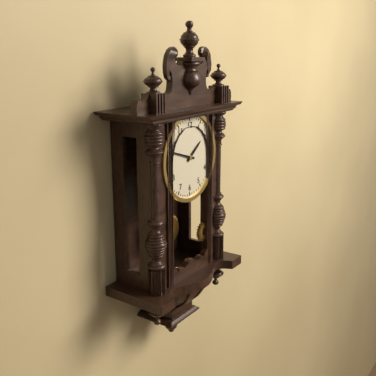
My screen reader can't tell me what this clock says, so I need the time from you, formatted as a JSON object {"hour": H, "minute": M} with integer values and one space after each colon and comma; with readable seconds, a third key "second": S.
{"hour": 1, "minute": 48}
